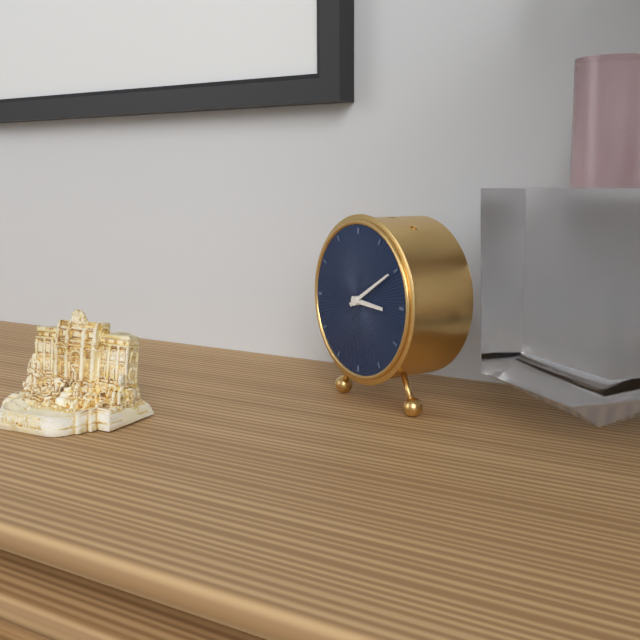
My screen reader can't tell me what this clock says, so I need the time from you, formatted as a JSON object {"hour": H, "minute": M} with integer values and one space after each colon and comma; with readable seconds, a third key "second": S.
{"hour": 3, "minute": 10}
